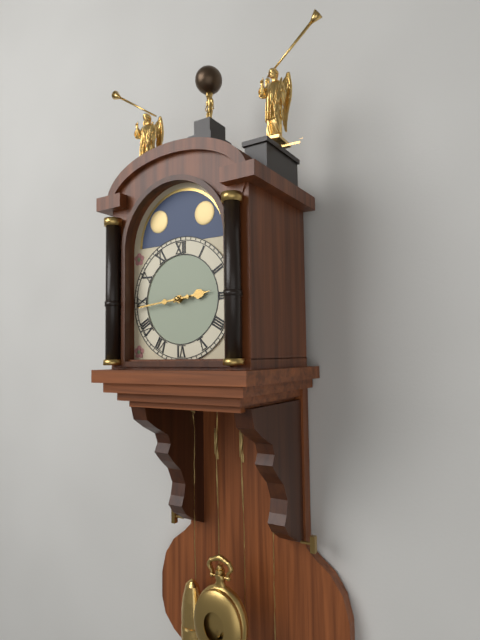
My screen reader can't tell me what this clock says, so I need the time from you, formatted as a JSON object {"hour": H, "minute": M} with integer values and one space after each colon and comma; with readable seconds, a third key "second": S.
{"hour": 2, "minute": 44}
